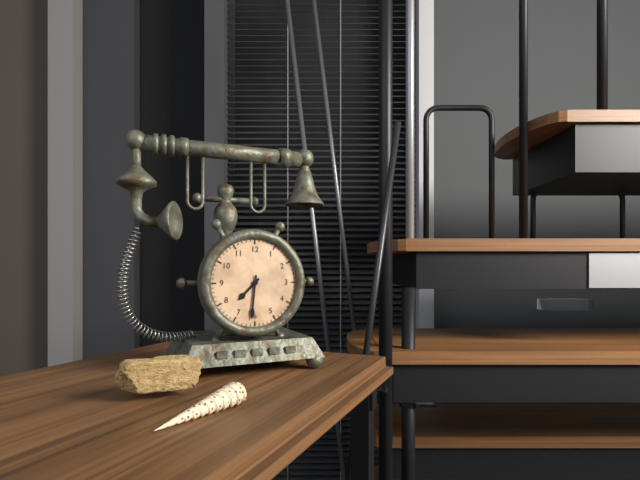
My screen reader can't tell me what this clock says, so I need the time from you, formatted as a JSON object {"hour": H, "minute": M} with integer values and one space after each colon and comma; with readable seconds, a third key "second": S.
{"hour": 7, "minute": 31}
